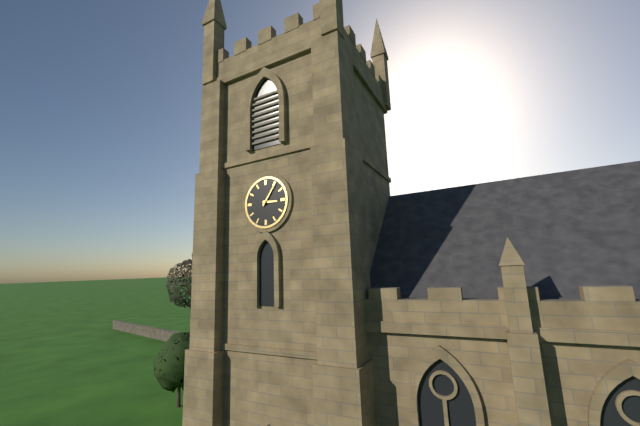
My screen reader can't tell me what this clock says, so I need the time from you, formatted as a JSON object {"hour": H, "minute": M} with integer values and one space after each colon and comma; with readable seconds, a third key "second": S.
{"hour": 3, "minute": 6}
